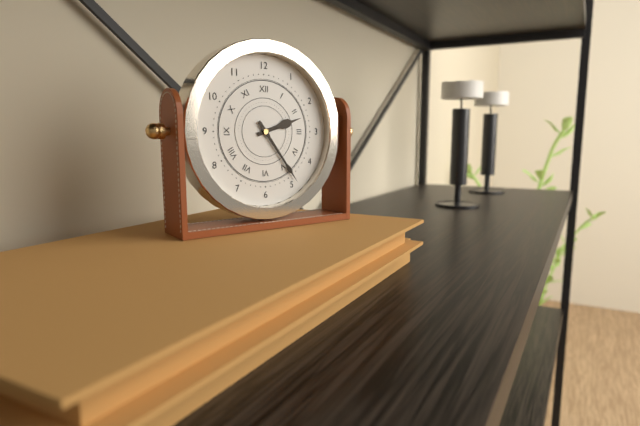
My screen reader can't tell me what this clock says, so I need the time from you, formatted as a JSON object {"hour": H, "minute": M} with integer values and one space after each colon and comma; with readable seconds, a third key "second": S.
{"hour": 2, "minute": 24}
